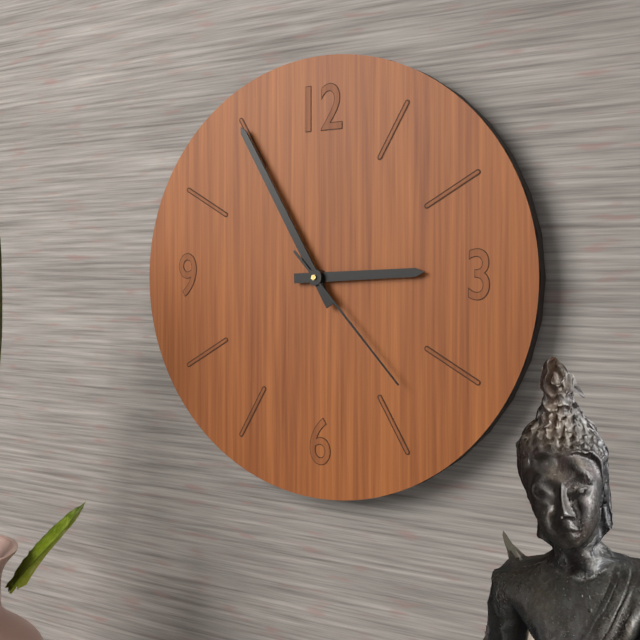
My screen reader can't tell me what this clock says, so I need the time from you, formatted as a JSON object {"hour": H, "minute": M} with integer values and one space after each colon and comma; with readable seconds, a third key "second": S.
{"hour": 2, "minute": 55, "second": 23}
